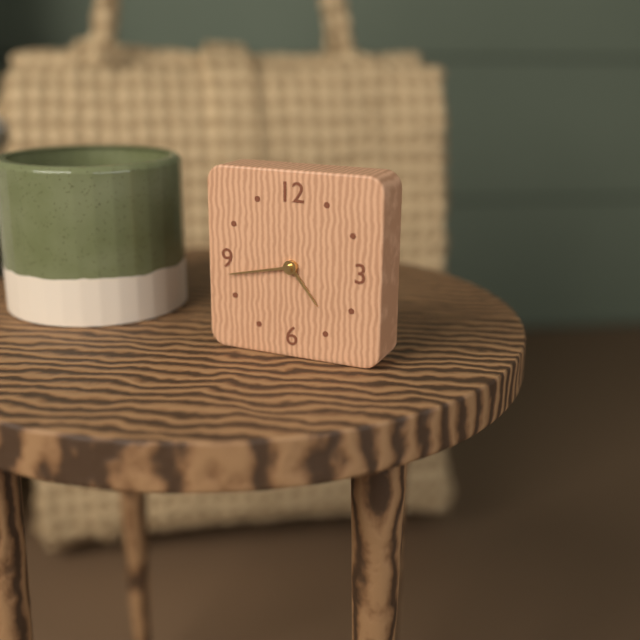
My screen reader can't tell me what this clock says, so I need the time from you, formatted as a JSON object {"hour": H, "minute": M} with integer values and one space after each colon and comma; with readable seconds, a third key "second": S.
{"hour": 4, "minute": 43}
